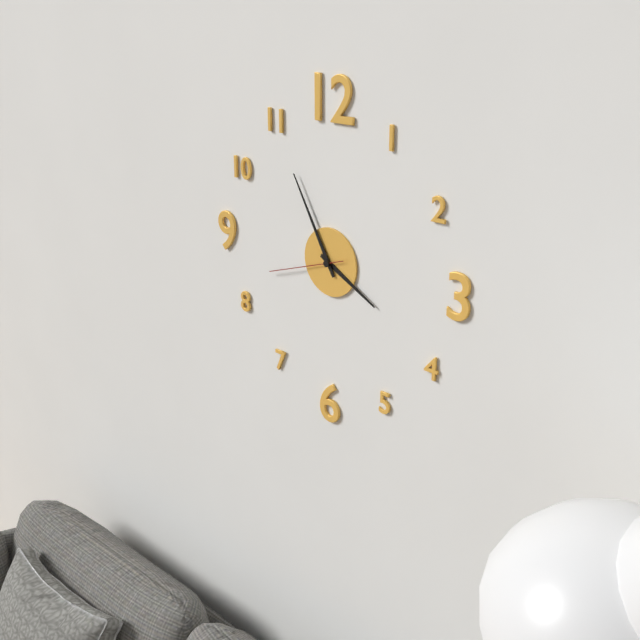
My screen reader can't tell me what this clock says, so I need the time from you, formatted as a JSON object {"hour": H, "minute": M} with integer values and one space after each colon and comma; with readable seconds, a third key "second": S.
{"hour": 3, "minute": 55, "second": 42}
